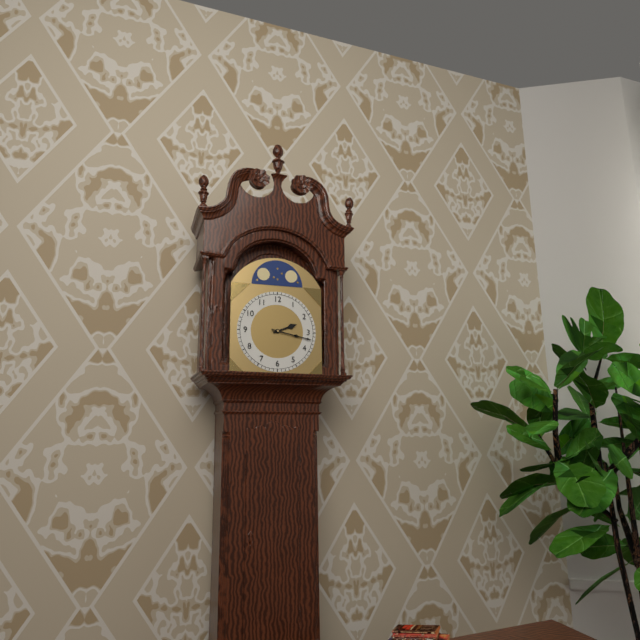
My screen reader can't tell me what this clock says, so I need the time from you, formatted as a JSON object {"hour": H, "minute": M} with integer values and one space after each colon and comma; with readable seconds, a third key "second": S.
{"hour": 2, "minute": 17}
